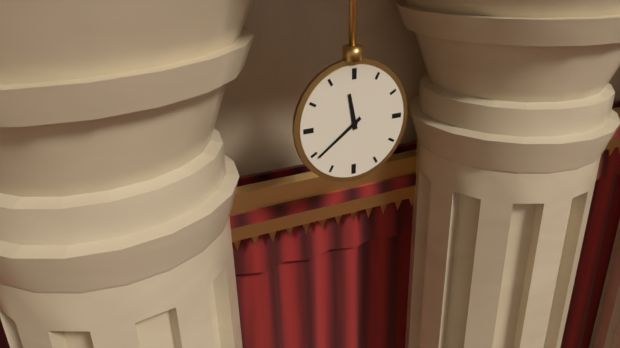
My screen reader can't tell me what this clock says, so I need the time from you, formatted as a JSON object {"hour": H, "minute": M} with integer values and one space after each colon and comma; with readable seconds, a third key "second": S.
{"hour": 11, "minute": 39}
